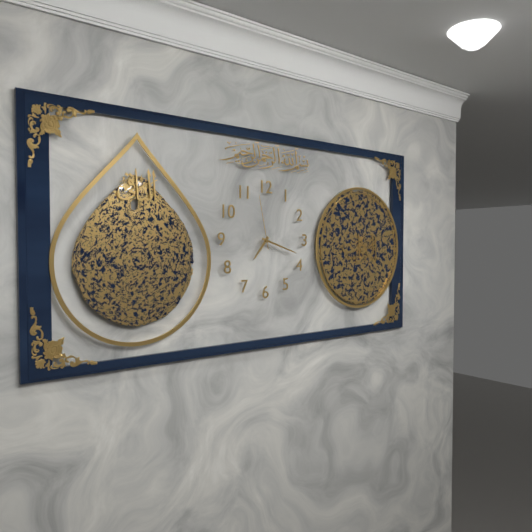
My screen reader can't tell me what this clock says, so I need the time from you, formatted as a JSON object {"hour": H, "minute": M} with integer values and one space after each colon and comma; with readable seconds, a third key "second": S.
{"hour": 7, "minute": 18, "second": 58}
